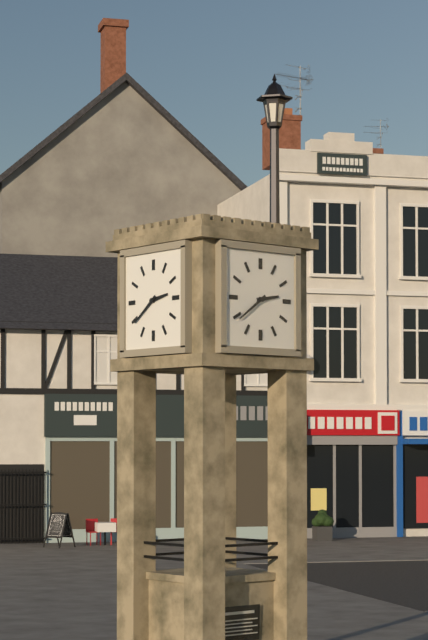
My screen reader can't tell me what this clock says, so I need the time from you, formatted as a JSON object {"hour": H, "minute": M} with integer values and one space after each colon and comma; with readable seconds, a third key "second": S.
{"hour": 2, "minute": 39}
